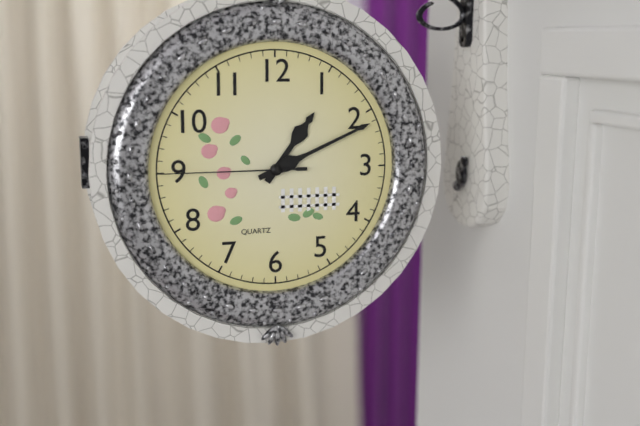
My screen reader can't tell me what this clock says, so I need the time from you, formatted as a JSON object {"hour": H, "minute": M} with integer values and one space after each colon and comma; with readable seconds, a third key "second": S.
{"hour": 1, "minute": 11, "second": 45}
